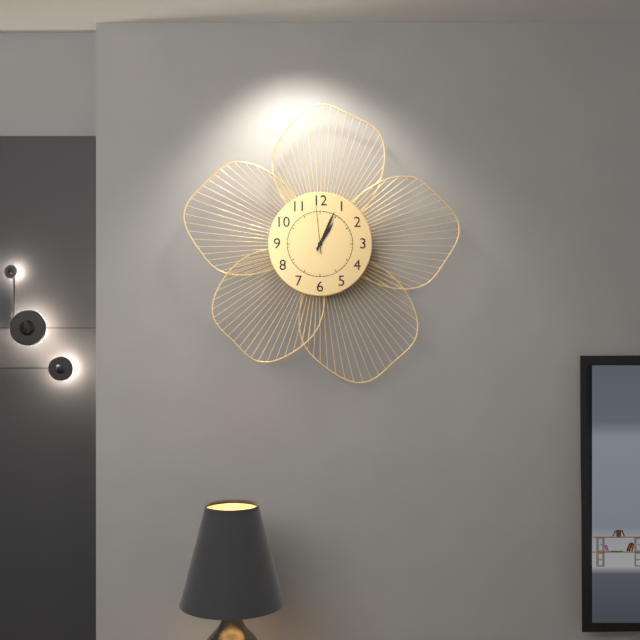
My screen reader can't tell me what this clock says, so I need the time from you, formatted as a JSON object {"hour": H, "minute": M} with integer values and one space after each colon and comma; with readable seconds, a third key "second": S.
{"hour": 1, "minute": 4}
